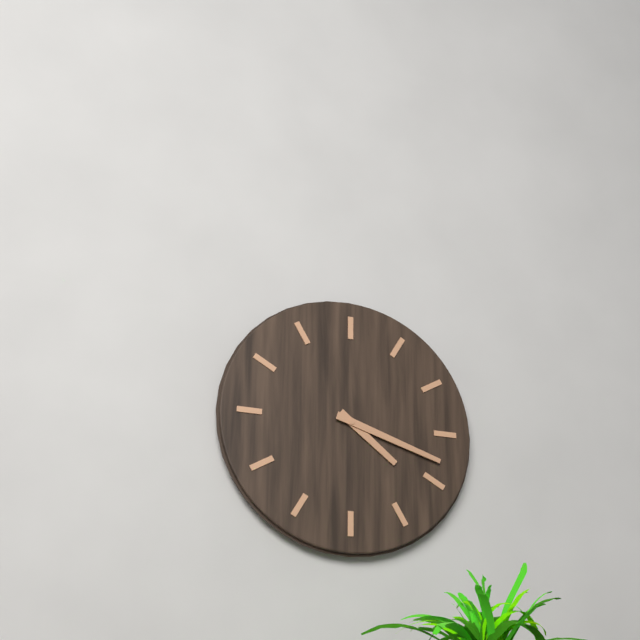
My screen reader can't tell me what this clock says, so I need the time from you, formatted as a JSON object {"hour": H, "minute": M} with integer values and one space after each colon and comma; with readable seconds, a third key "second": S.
{"hour": 4, "minute": 18}
